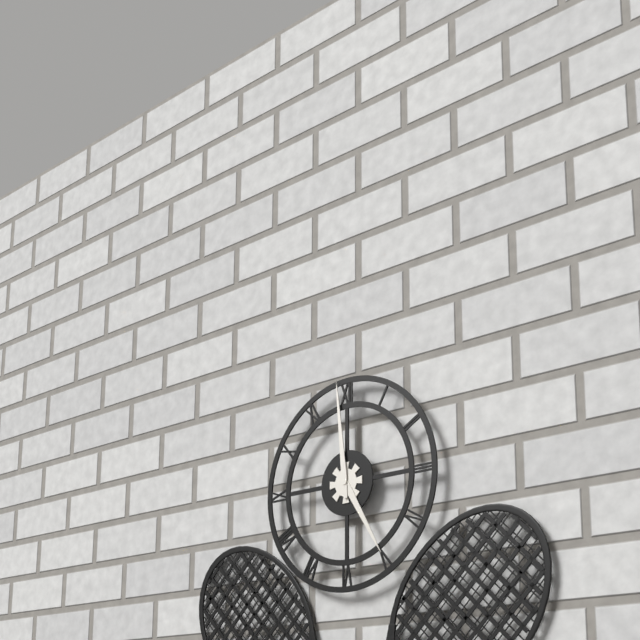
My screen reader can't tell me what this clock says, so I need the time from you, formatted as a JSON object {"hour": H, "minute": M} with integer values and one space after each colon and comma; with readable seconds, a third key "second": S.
{"hour": 4, "minute": 59}
